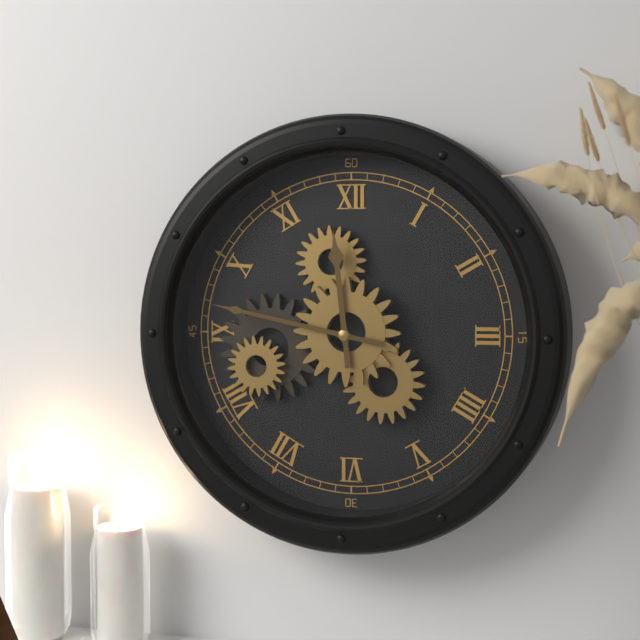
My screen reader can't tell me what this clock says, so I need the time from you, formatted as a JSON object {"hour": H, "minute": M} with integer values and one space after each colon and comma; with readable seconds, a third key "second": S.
{"hour": 11, "minute": 47}
